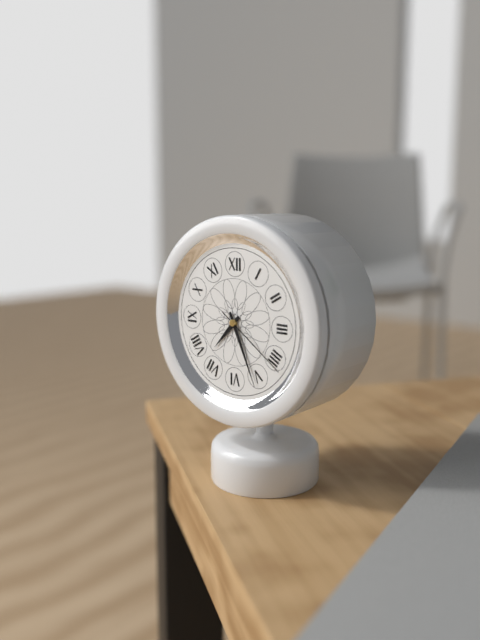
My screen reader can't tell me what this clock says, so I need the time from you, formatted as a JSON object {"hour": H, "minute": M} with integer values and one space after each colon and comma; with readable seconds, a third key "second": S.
{"hour": 7, "minute": 26, "second": 21}
